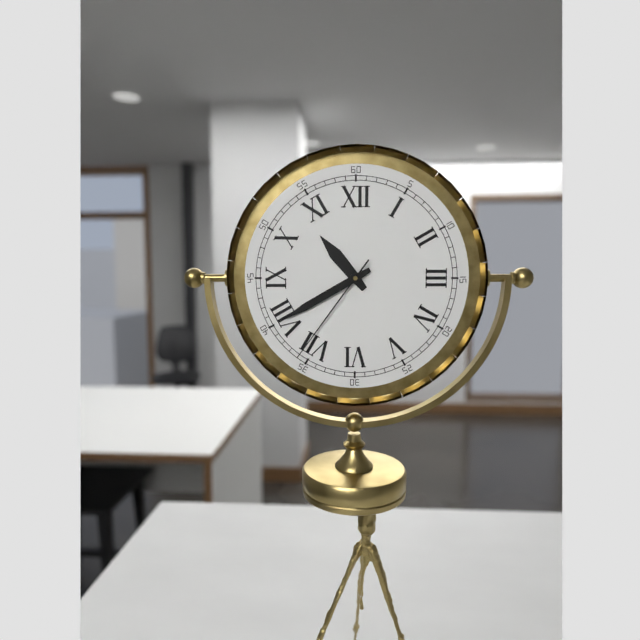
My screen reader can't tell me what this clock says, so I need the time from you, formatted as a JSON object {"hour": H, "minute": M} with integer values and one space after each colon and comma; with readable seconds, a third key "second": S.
{"hour": 10, "minute": 40, "second": 36}
